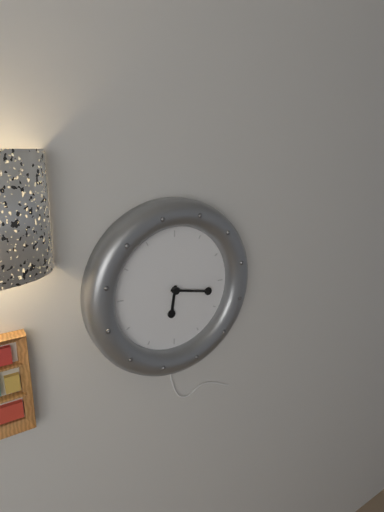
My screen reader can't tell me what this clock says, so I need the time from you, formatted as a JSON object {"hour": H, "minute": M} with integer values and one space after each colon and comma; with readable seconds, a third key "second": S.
{"hour": 6, "minute": 17}
